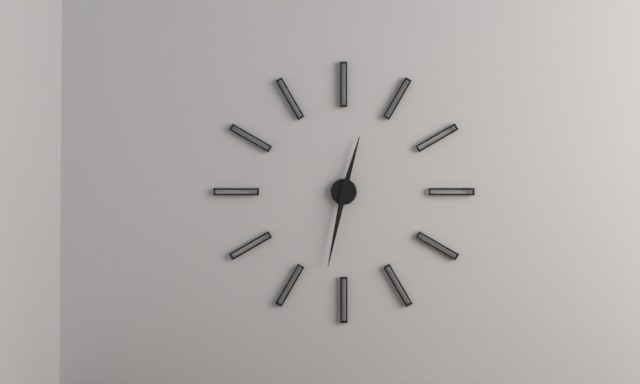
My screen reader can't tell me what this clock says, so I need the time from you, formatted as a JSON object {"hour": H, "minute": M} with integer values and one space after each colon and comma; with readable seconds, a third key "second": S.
{"hour": 12, "minute": 32}
